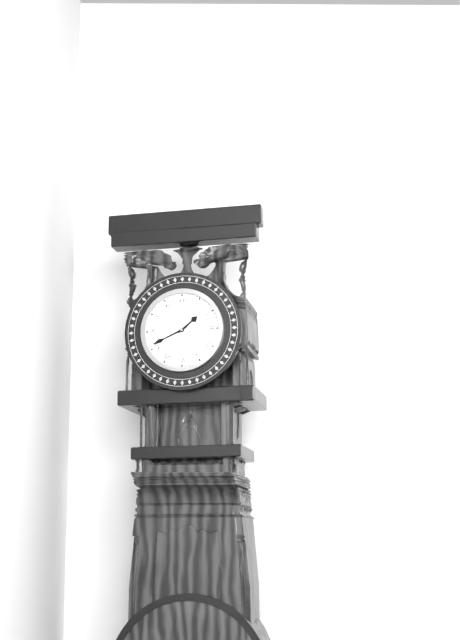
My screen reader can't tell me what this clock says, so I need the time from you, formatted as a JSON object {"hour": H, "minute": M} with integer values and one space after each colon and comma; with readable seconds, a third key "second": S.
{"hour": 1, "minute": 41}
